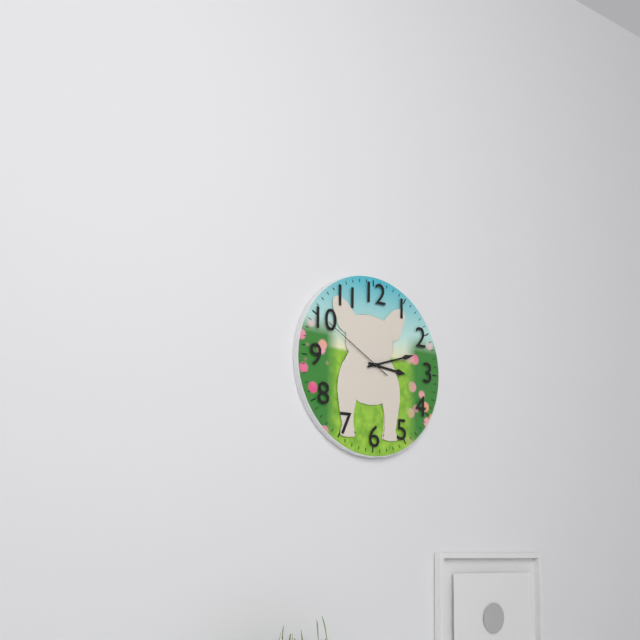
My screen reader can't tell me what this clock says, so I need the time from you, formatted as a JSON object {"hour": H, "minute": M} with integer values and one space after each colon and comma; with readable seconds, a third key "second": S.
{"hour": 3, "minute": 12, "second": 50}
